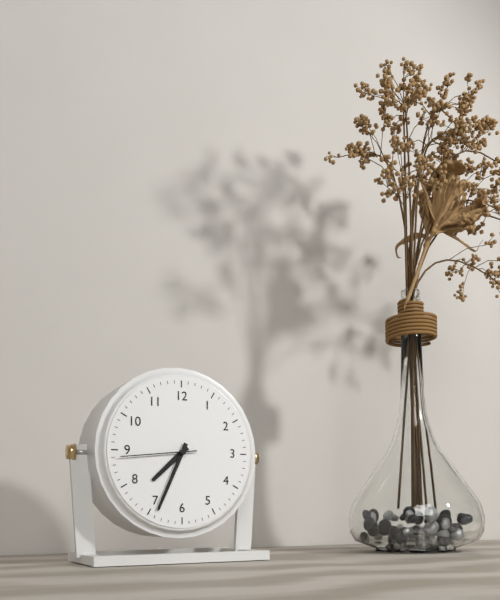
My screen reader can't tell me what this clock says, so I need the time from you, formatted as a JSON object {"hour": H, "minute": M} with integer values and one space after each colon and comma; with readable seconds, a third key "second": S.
{"hour": 7, "minute": 34, "second": 44}
